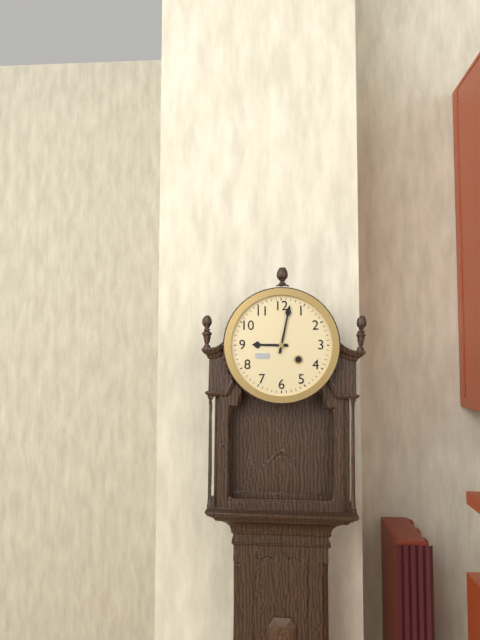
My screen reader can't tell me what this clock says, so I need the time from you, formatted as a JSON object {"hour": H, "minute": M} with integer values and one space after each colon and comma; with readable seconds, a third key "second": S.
{"hour": 9, "minute": 2}
